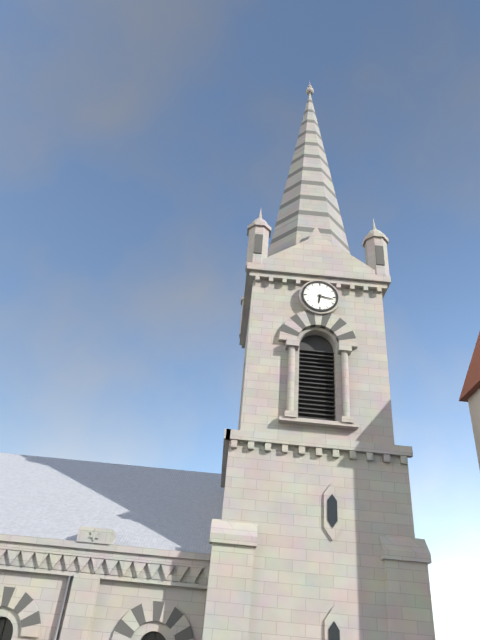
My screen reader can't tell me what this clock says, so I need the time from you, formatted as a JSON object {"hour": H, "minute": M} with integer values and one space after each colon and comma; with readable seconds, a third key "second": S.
{"hour": 6, "minute": 17}
